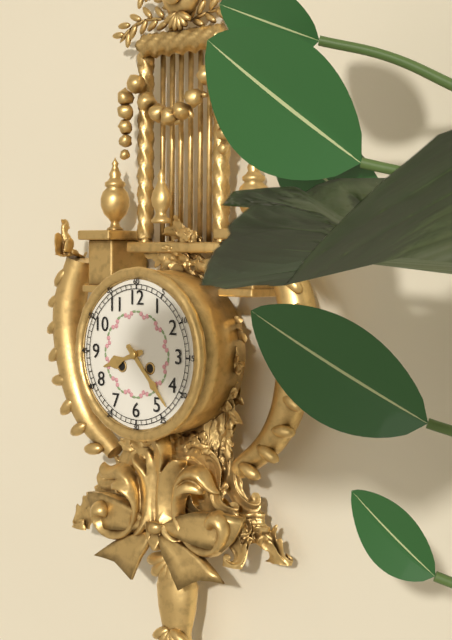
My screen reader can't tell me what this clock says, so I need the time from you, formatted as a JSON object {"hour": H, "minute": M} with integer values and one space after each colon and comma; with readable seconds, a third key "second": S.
{"hour": 8, "minute": 23}
